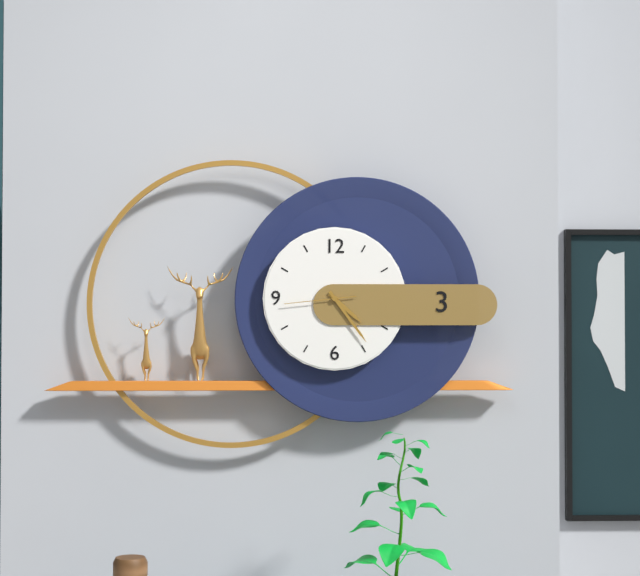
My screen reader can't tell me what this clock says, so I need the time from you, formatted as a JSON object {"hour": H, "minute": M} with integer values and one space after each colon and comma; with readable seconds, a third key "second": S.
{"hour": 4, "minute": 24, "second": 44}
